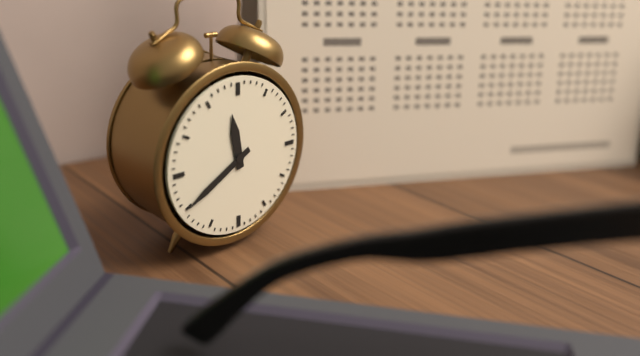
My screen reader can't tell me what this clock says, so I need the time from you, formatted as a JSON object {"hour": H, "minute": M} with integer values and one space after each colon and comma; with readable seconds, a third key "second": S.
{"hour": 11, "minute": 40}
